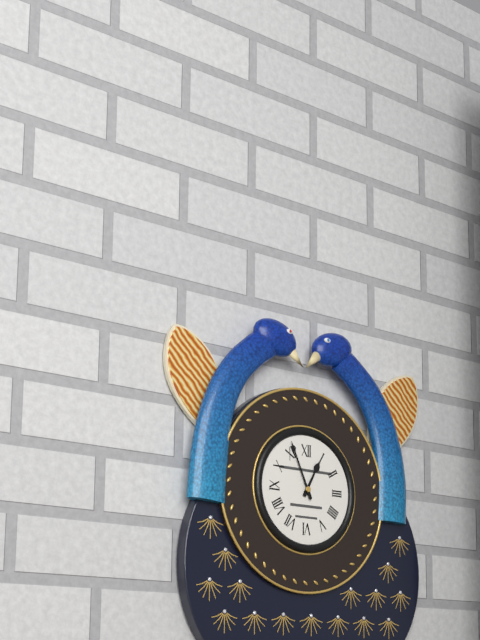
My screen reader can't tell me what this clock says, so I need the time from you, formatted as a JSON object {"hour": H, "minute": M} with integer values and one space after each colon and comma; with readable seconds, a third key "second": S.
{"hour": 12, "minute": 56}
